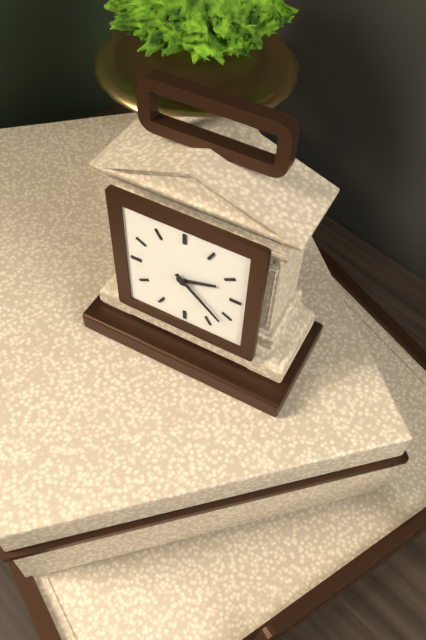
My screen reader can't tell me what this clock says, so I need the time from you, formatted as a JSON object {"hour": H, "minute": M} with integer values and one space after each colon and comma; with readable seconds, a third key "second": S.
{"hour": 2, "minute": 22}
